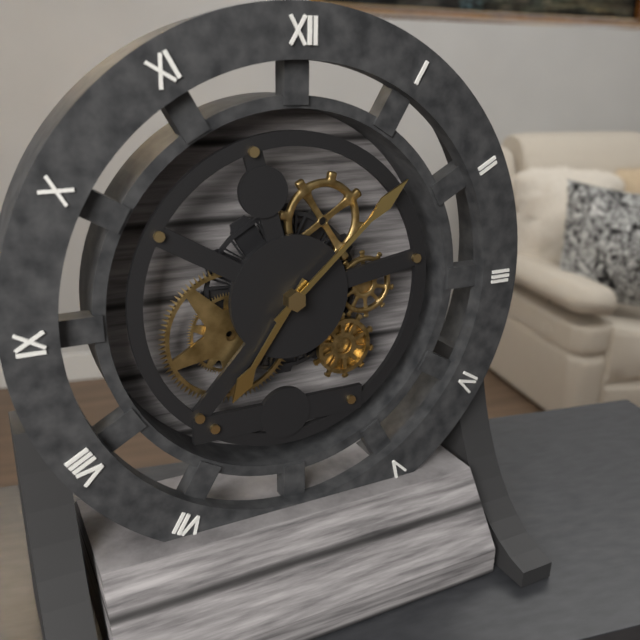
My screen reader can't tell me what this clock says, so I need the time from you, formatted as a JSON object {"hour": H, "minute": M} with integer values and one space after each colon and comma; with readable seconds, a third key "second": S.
{"hour": 7, "minute": 8}
